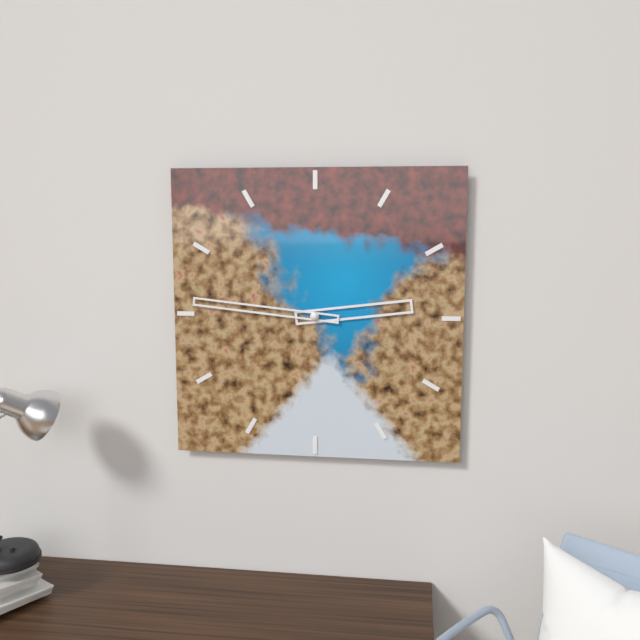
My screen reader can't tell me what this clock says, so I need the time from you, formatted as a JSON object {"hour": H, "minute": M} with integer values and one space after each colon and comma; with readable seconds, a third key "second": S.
{"hour": 2, "minute": 46}
